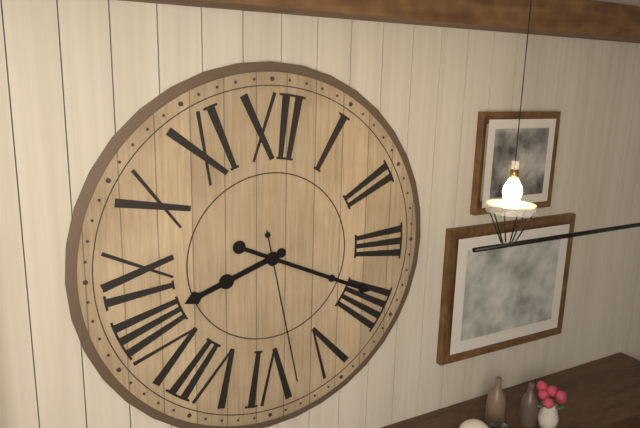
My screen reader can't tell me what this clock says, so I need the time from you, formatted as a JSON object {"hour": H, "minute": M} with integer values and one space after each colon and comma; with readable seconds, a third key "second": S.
{"hour": 8, "minute": 19, "second": 28}
